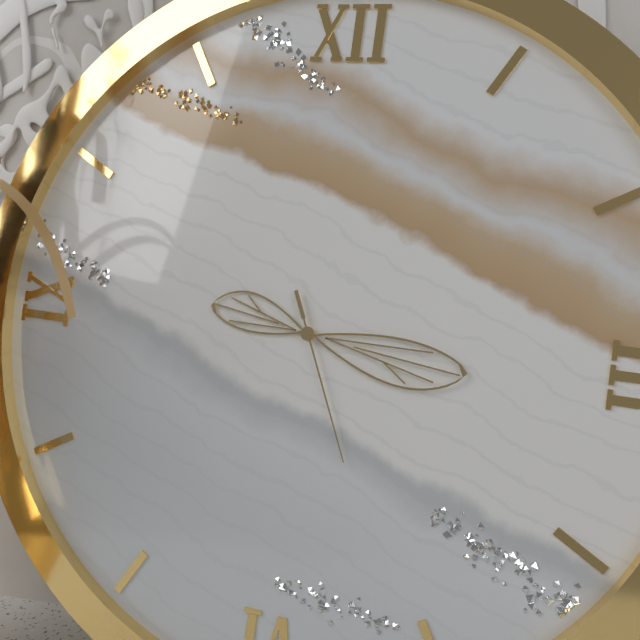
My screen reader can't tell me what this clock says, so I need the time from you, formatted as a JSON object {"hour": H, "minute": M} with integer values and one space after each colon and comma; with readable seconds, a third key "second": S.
{"hour": 9, "minute": 16, "second": 26}
